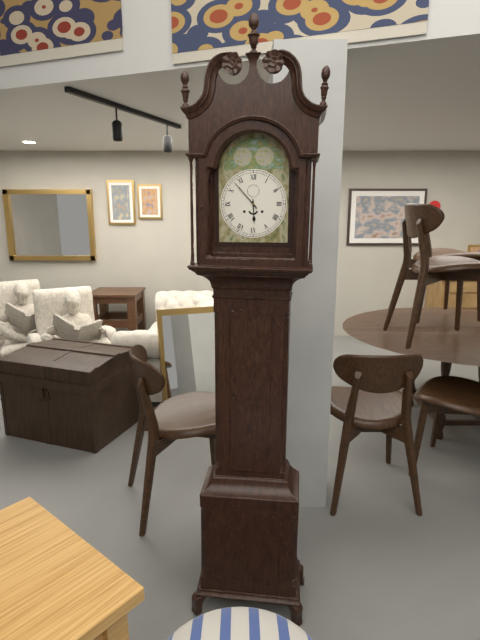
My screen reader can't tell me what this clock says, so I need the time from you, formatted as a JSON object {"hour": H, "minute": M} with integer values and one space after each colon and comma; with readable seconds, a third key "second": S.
{"hour": 5, "minute": 53}
